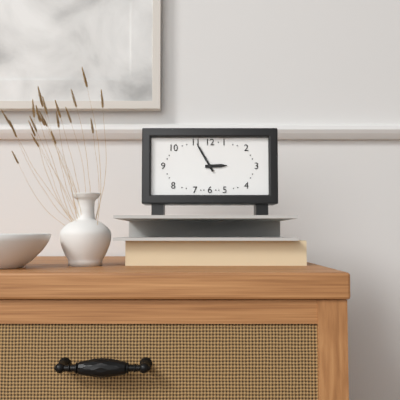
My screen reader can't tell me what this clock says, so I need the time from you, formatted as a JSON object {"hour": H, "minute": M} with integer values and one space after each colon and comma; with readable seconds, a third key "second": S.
{"hour": 2, "minute": 55}
